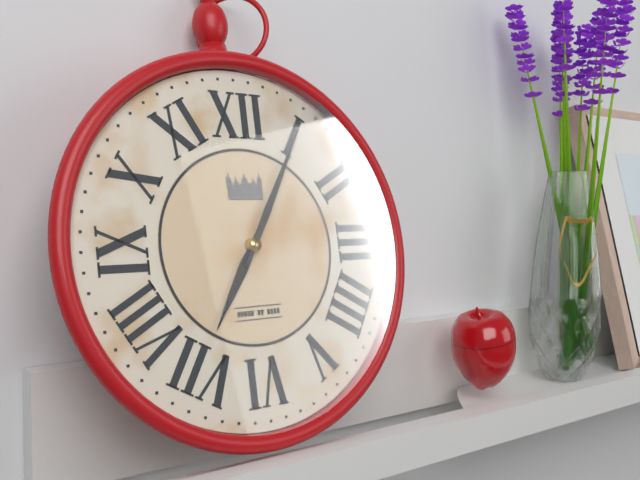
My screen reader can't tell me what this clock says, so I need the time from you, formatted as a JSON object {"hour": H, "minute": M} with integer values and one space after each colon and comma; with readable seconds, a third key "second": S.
{"hour": 7, "minute": 5}
